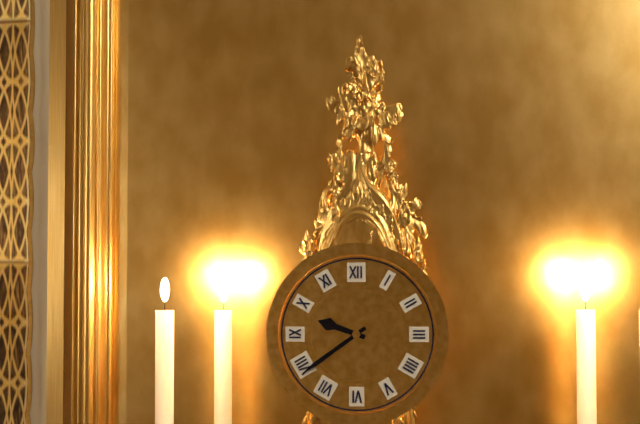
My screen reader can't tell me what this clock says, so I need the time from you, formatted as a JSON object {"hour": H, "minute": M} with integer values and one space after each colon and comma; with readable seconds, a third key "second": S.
{"hour": 9, "minute": 39}
